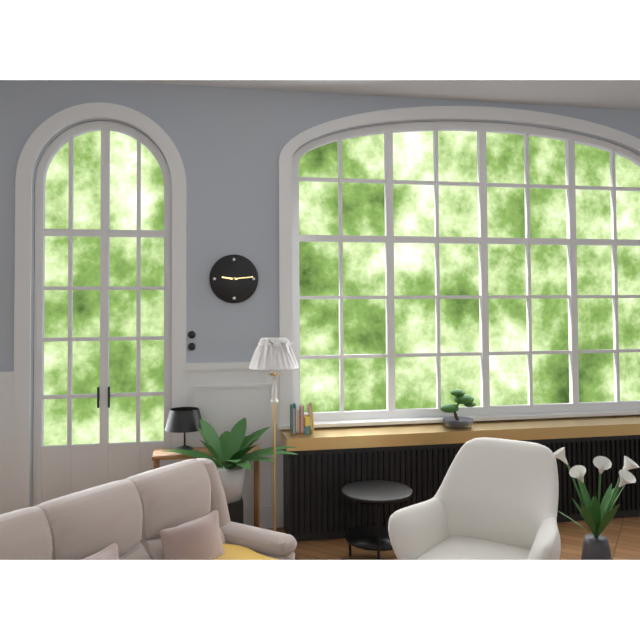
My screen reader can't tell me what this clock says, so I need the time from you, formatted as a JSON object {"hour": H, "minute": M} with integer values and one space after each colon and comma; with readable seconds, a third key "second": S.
{"hour": 9, "minute": 14}
